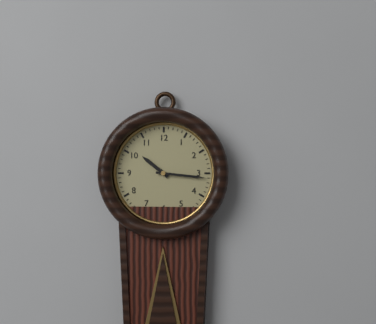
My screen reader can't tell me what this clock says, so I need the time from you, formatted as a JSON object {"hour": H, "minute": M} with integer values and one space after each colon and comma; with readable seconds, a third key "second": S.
{"hour": 10, "minute": 16}
